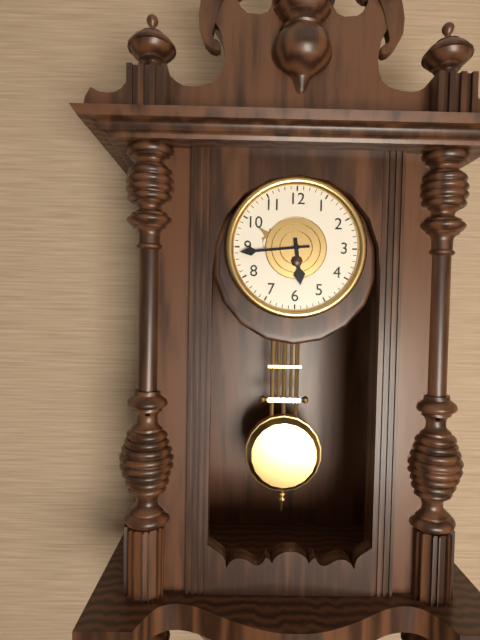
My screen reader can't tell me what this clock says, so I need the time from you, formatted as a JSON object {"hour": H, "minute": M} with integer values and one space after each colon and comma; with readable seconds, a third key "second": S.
{"hour": 5, "minute": 44}
